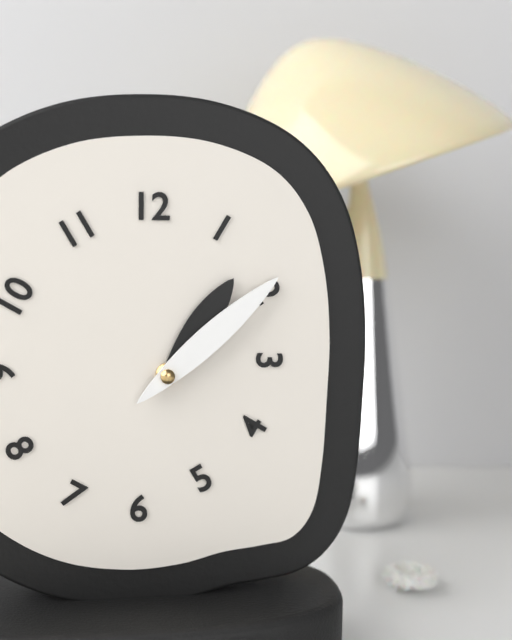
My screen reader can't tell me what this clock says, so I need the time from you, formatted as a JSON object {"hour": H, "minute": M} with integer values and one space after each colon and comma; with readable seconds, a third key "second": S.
{"hour": 1, "minute": 8}
